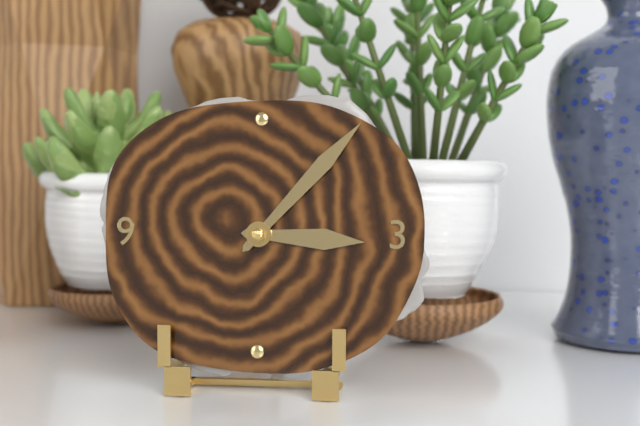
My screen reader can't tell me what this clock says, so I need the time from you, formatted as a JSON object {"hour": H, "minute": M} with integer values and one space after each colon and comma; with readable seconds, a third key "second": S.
{"hour": 3, "minute": 7}
